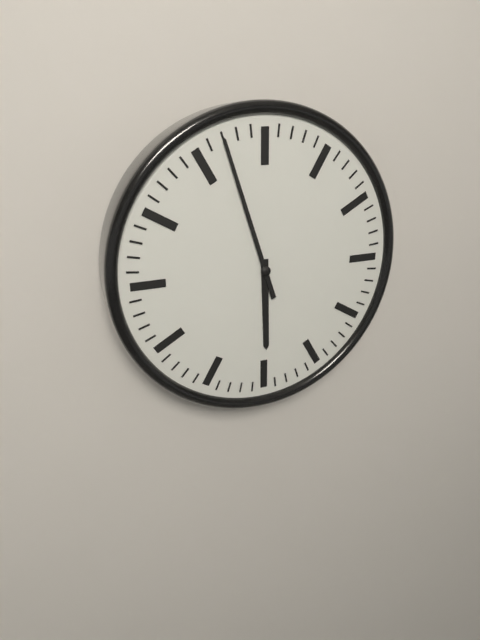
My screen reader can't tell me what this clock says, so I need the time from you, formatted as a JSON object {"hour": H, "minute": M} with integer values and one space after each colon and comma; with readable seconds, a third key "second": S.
{"hour": 5, "minute": 57}
